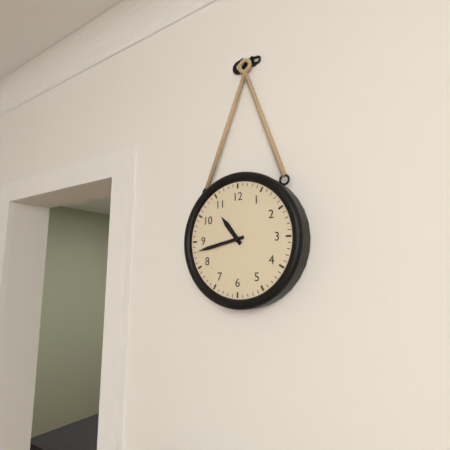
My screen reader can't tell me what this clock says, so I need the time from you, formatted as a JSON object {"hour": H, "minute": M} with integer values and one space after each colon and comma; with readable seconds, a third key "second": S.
{"hour": 10, "minute": 43}
